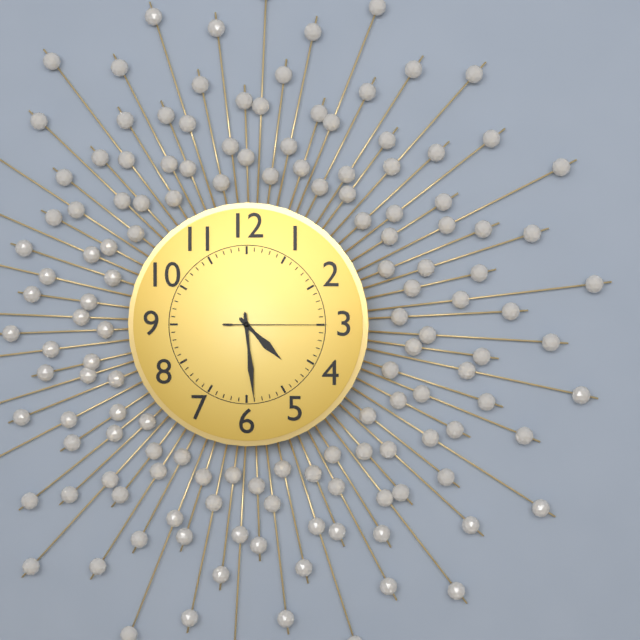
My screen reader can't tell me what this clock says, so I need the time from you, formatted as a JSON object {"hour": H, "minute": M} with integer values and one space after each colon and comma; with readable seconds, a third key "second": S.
{"hour": 4, "minute": 29, "second": 15}
